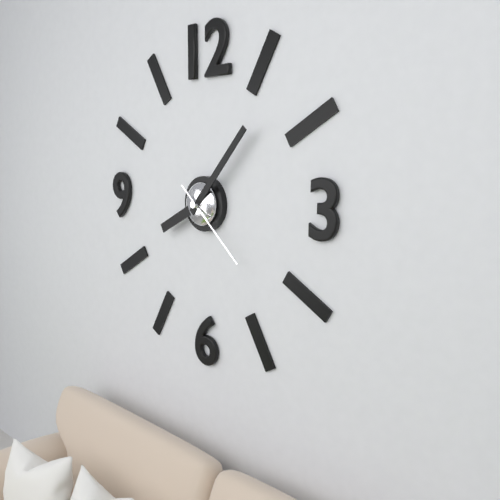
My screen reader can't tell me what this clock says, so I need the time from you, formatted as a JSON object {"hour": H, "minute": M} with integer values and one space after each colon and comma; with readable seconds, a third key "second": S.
{"hour": 8, "minute": 7, "second": 22}
